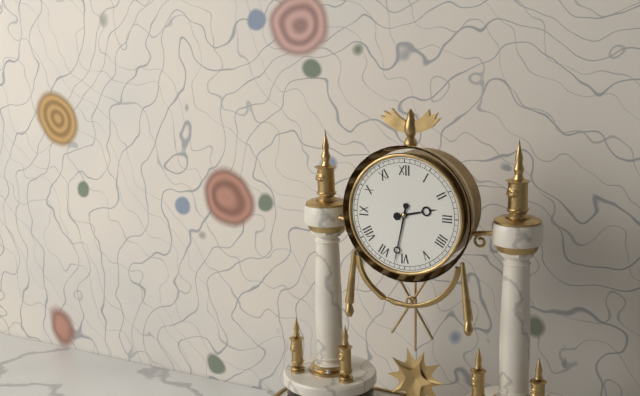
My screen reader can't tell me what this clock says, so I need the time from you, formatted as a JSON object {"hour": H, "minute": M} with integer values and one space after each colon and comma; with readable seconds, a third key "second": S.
{"hour": 2, "minute": 32}
